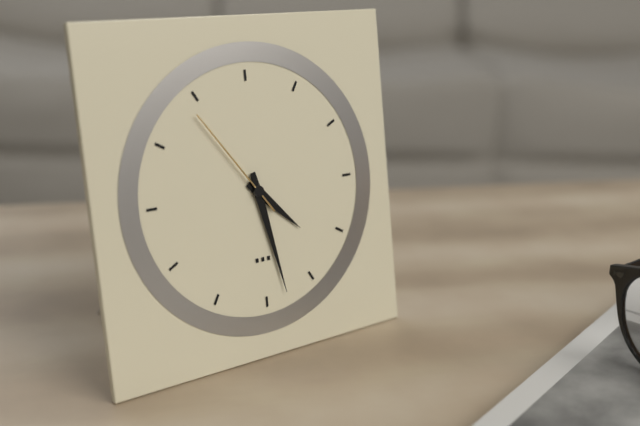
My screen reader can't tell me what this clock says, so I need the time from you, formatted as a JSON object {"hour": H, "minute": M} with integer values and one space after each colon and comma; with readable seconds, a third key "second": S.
{"hour": 4, "minute": 28, "second": 54}
